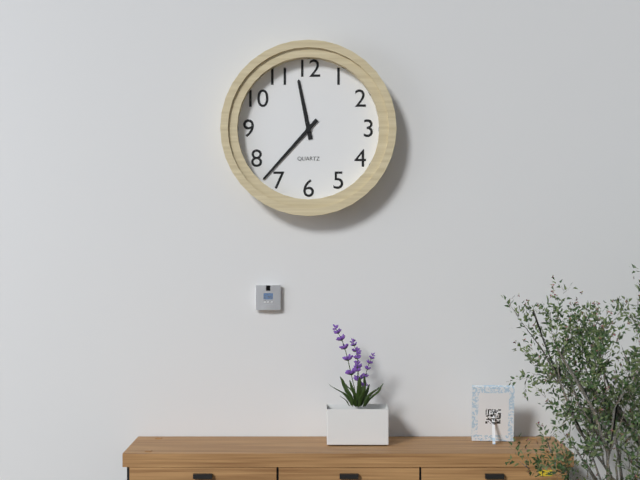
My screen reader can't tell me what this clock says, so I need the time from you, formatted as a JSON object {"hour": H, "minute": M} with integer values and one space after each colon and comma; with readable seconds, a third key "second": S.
{"hour": 11, "minute": 37}
